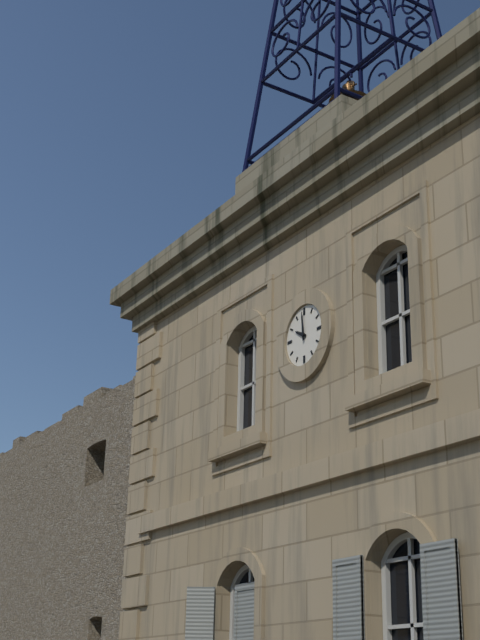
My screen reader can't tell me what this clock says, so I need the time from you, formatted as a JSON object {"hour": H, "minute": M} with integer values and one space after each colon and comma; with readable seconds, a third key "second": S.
{"hour": 9, "minute": 59}
